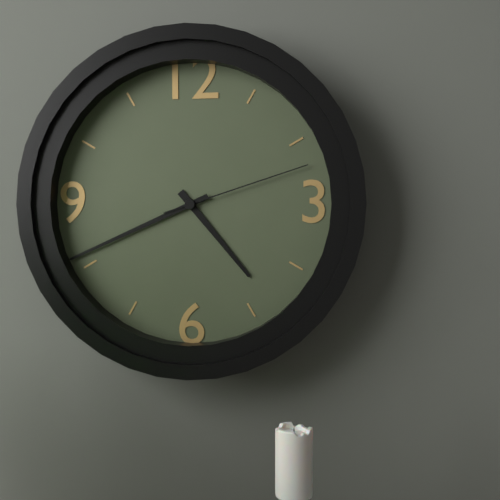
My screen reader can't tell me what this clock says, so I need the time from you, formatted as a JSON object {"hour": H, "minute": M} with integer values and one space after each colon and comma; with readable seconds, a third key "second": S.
{"hour": 4, "minute": 41, "second": 12}
